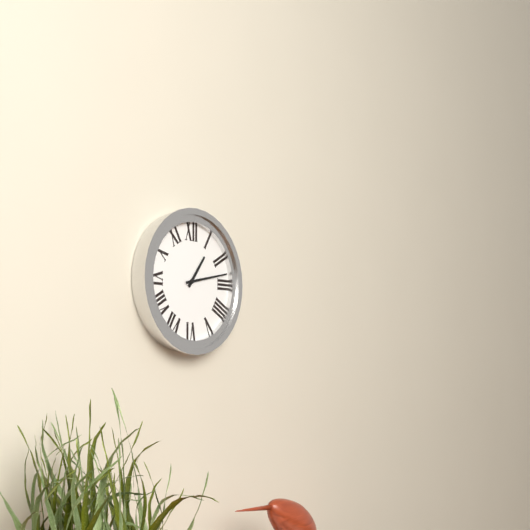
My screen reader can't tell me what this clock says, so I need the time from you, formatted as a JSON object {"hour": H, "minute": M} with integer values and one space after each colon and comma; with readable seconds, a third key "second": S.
{"hour": 1, "minute": 13}
